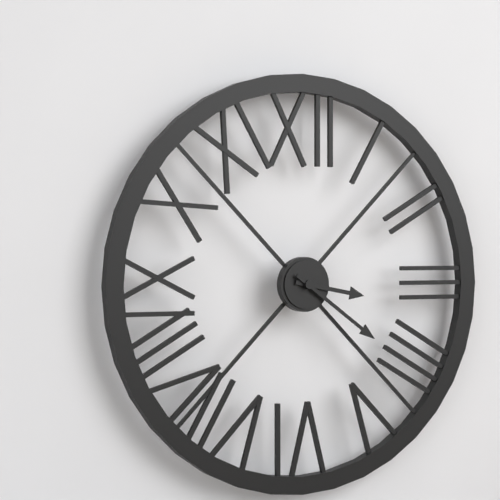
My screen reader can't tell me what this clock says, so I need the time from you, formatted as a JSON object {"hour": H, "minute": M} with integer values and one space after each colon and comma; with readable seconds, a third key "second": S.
{"hour": 3, "minute": 21}
